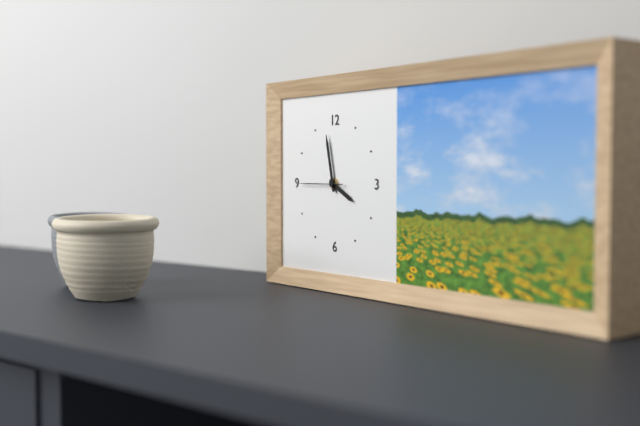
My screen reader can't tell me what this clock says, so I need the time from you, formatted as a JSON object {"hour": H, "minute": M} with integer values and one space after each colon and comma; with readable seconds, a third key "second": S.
{"hour": 3, "minute": 58}
